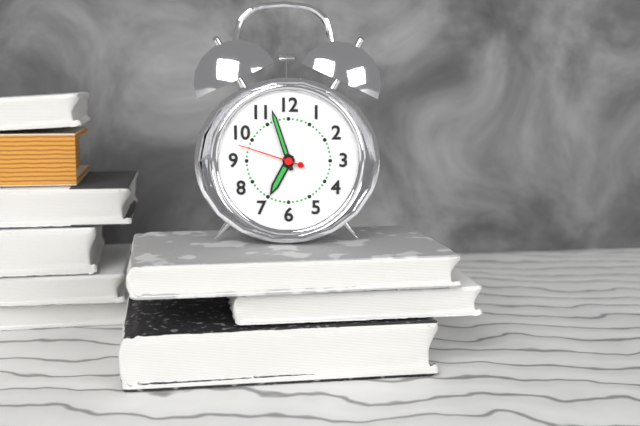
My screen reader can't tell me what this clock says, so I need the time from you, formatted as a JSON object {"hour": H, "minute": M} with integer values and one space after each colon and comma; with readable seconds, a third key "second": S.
{"hour": 6, "minute": 57, "second": 48}
